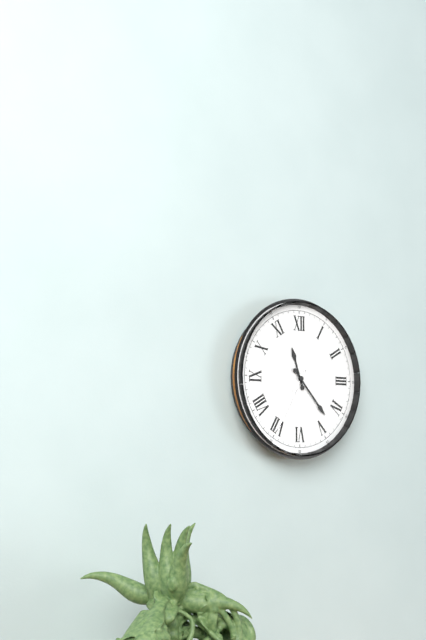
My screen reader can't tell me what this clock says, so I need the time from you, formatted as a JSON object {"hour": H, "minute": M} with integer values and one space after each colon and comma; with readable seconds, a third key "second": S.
{"hour": 11, "minute": 23, "second": 35}
